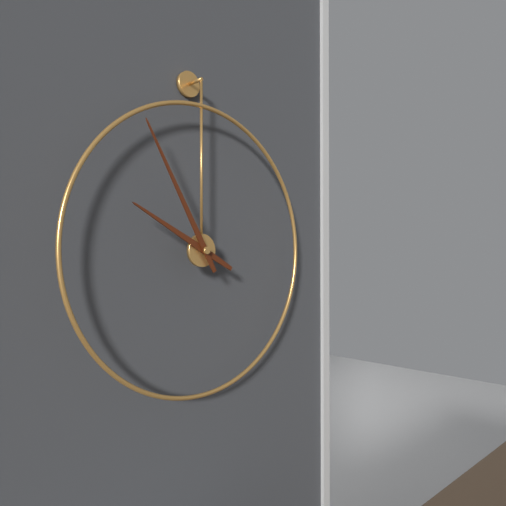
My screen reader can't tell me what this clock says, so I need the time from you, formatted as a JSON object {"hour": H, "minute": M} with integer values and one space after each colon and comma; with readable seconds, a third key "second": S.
{"hour": 9, "minute": 55}
